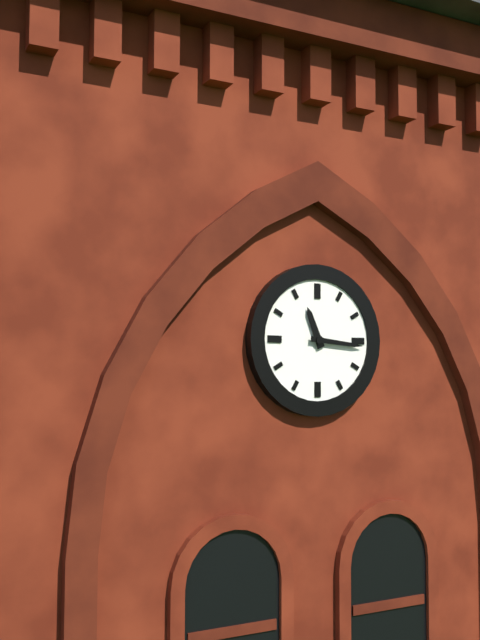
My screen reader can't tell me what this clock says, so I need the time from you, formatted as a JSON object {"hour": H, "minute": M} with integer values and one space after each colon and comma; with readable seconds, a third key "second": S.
{"hour": 11, "minute": 16}
